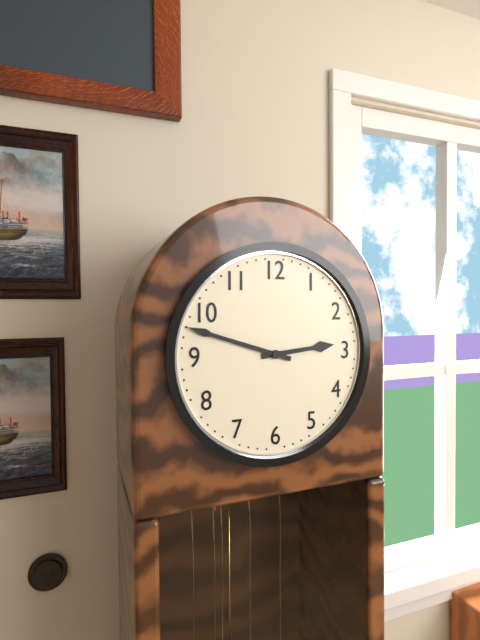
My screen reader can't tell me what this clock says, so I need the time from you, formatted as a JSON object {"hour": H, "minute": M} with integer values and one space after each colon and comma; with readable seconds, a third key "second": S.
{"hour": 2, "minute": 48}
